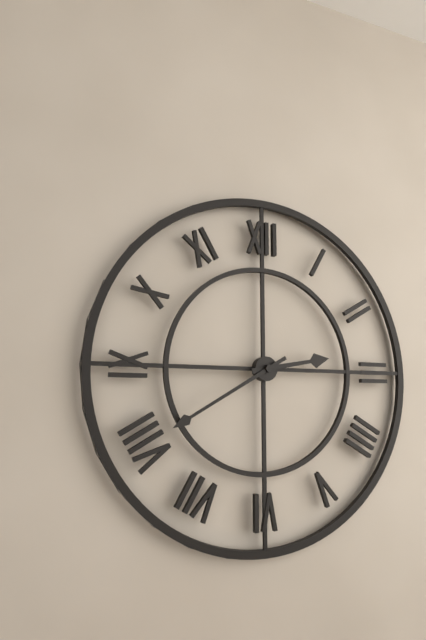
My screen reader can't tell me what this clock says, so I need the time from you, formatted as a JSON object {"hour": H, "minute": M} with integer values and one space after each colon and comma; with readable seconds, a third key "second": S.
{"hour": 2, "minute": 40}
